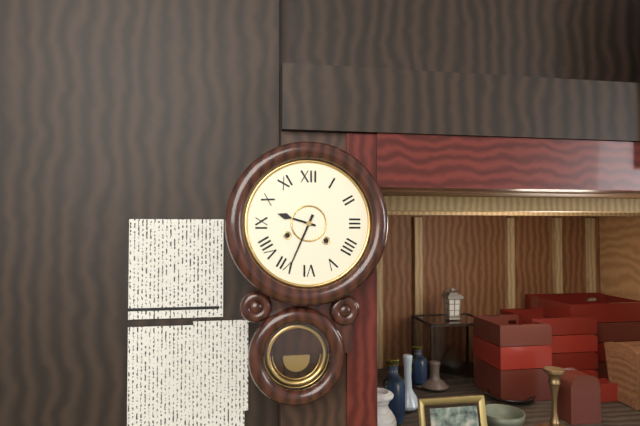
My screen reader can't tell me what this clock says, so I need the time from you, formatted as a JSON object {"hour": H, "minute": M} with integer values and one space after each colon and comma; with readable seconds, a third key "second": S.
{"hour": 9, "minute": 34}
